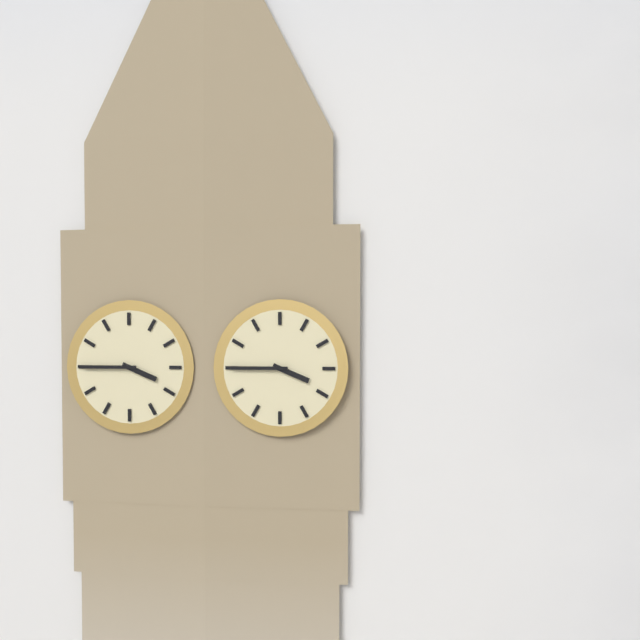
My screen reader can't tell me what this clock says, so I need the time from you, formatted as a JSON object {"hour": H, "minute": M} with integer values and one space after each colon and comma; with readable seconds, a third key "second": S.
{"hour": 3, "minute": 45}
